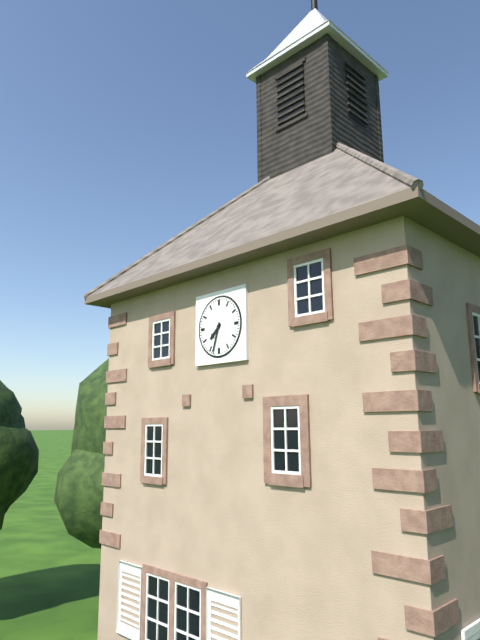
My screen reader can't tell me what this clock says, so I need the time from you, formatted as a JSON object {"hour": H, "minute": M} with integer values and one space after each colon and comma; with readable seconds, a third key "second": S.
{"hour": 7, "minute": 33}
